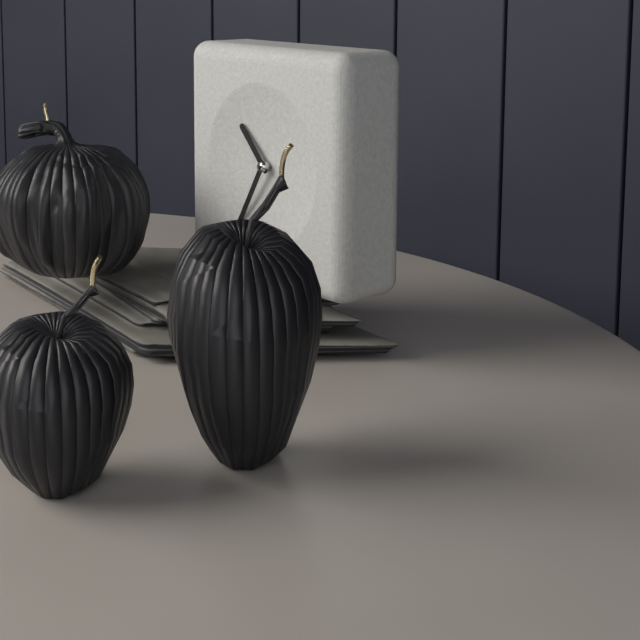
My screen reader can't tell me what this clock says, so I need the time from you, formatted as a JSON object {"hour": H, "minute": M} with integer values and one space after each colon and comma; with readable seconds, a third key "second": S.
{"hour": 10, "minute": 35}
